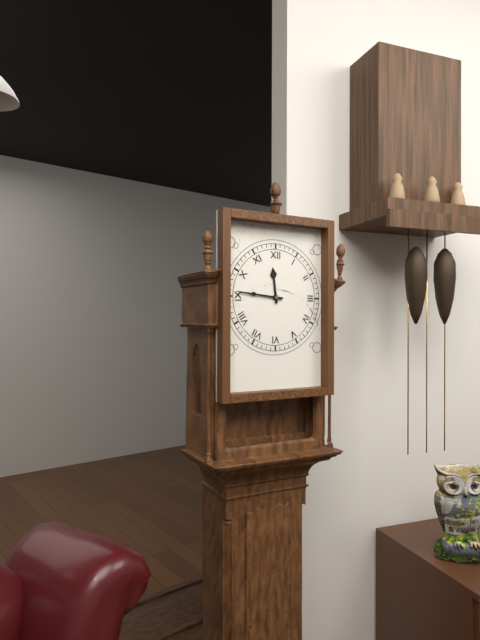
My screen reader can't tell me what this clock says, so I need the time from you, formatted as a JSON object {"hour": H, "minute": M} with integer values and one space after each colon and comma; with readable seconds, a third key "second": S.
{"hour": 11, "minute": 46}
